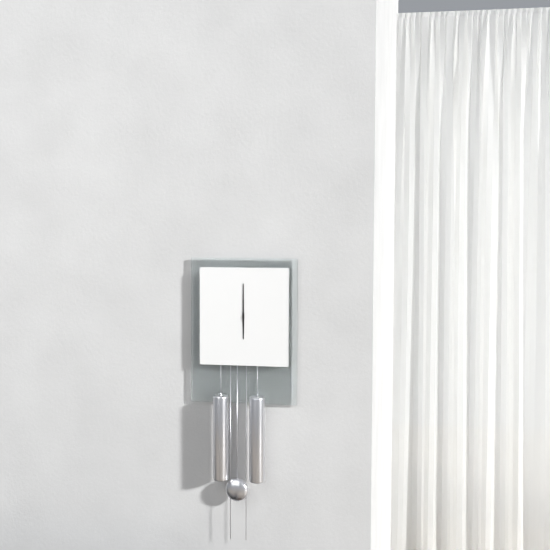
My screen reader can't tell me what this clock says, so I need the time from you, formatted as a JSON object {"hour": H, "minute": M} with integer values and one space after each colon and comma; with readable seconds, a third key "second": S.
{"hour": 6, "minute": 0}
